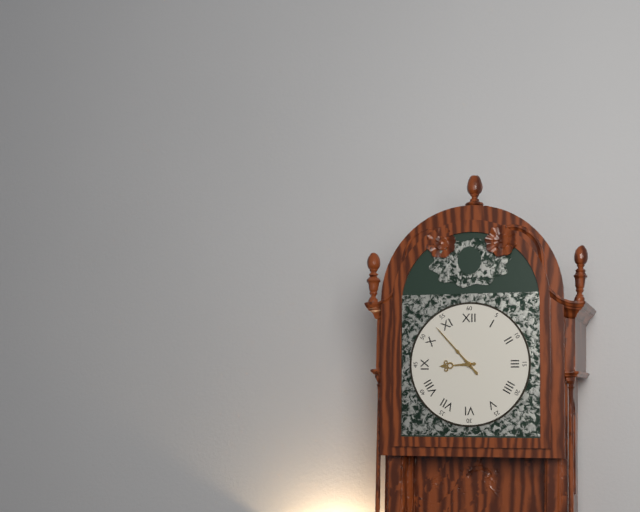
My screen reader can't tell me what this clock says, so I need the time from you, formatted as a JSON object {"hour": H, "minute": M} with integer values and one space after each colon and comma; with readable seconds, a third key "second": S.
{"hour": 8, "minute": 53}
